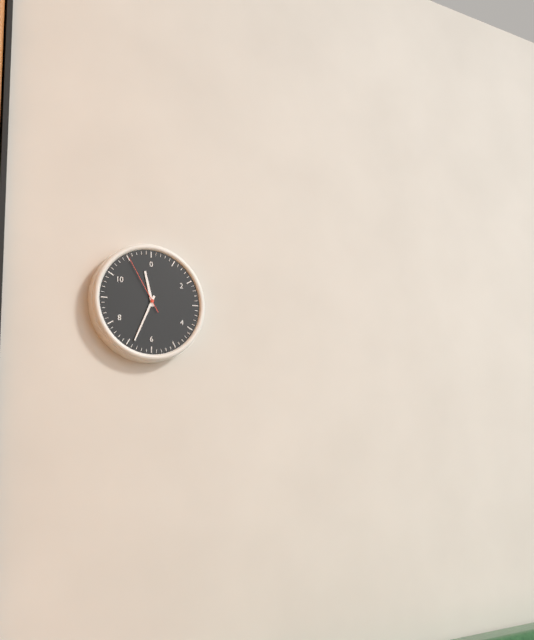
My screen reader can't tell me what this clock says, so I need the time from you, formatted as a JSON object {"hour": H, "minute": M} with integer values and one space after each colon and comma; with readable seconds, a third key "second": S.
{"hour": 11, "minute": 34, "second": 55}
